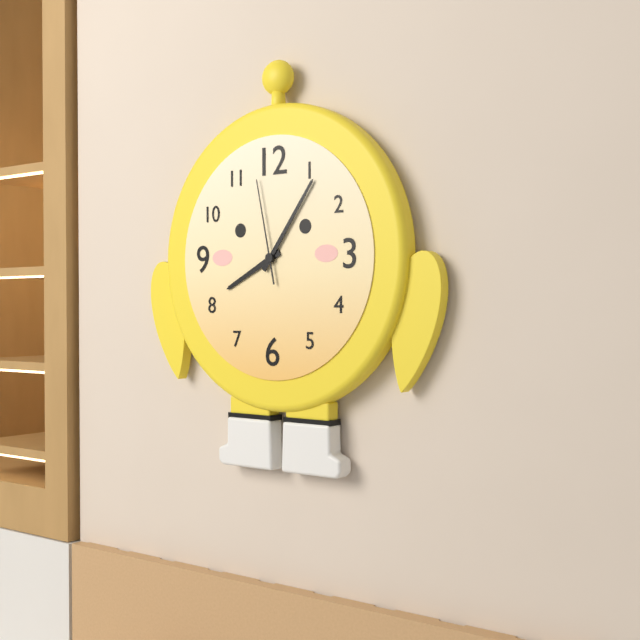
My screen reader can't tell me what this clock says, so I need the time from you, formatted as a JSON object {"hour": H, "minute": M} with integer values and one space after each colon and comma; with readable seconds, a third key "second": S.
{"hour": 8, "minute": 6, "second": 58}
